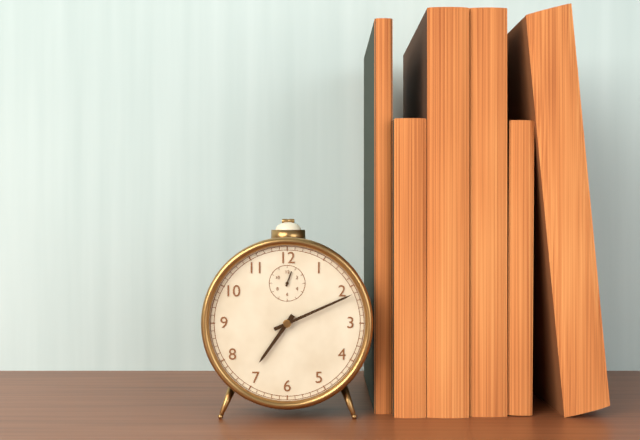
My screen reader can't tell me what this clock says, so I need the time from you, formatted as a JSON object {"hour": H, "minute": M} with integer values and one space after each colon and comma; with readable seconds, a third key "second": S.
{"hour": 7, "minute": 11}
